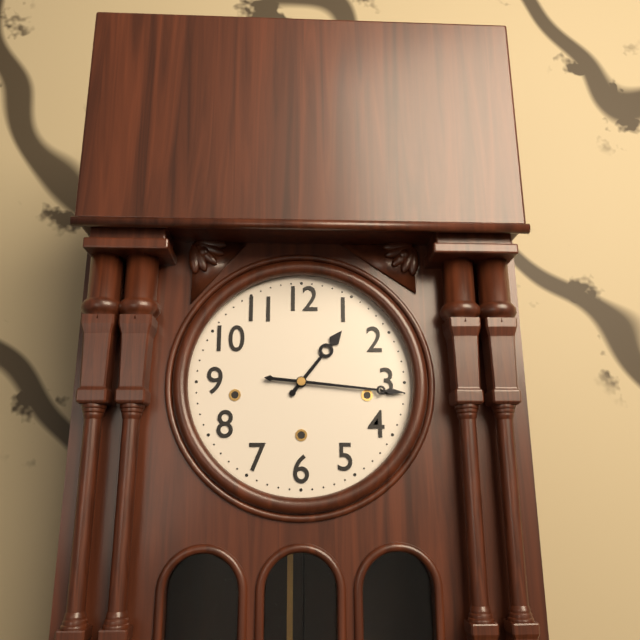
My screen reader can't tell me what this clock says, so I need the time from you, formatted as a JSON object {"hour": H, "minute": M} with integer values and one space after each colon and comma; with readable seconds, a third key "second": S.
{"hour": 1, "minute": 16}
